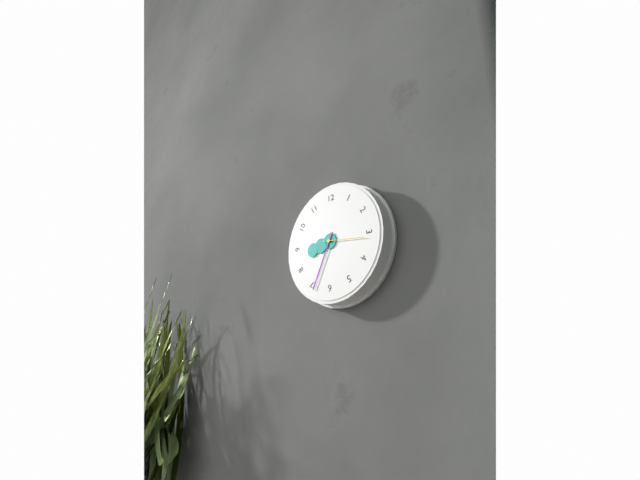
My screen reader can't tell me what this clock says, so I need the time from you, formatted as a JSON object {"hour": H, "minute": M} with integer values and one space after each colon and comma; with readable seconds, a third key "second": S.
{"hour": 8, "minute": 34}
